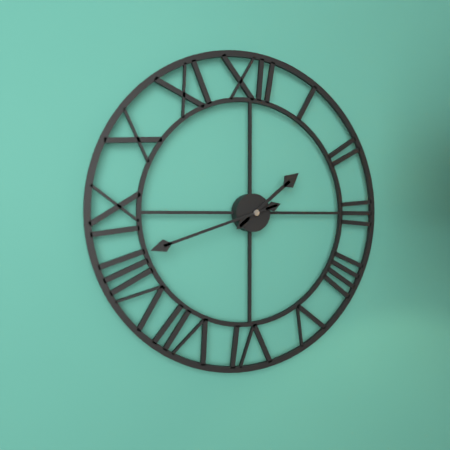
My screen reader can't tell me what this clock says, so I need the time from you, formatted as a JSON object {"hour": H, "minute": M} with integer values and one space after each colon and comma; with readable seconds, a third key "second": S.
{"hour": 1, "minute": 42}
